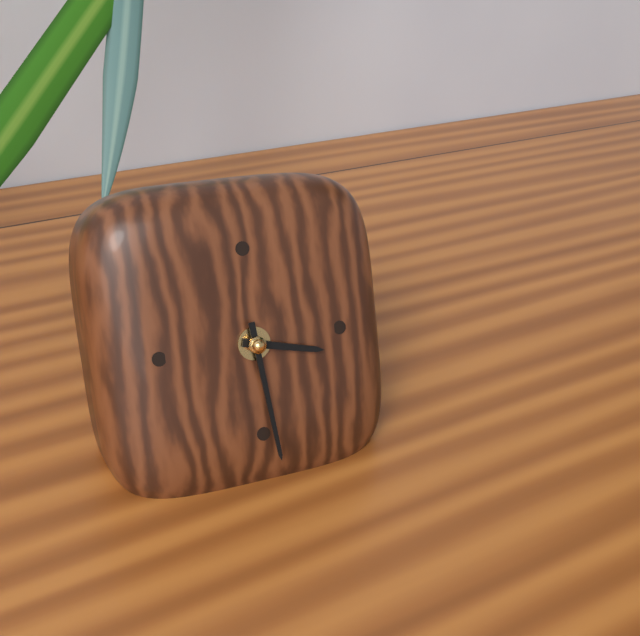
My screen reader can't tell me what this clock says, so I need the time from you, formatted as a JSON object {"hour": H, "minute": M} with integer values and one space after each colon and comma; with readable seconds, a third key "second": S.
{"hour": 3, "minute": 29}
